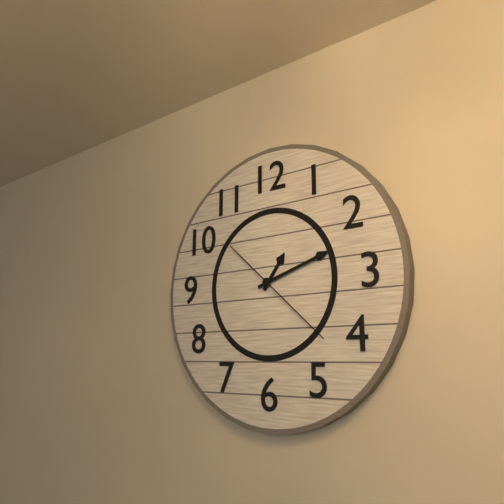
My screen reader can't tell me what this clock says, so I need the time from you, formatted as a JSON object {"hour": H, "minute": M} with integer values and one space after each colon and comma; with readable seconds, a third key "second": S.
{"hour": 1, "minute": 12, "second": 22}
